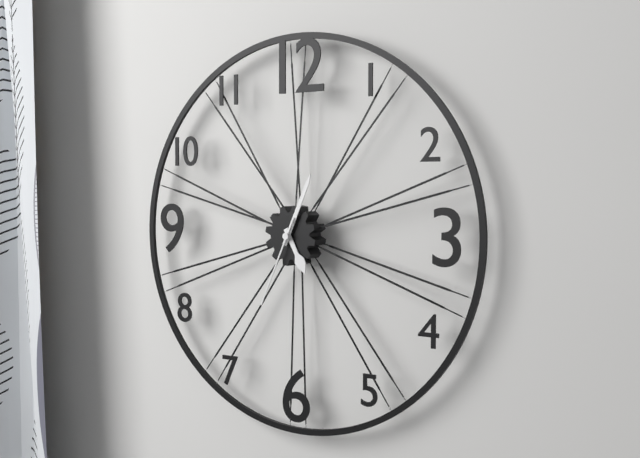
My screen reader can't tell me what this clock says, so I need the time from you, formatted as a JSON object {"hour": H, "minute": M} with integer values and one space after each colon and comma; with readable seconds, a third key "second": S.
{"hour": 5, "minute": 4, "second": 34}
